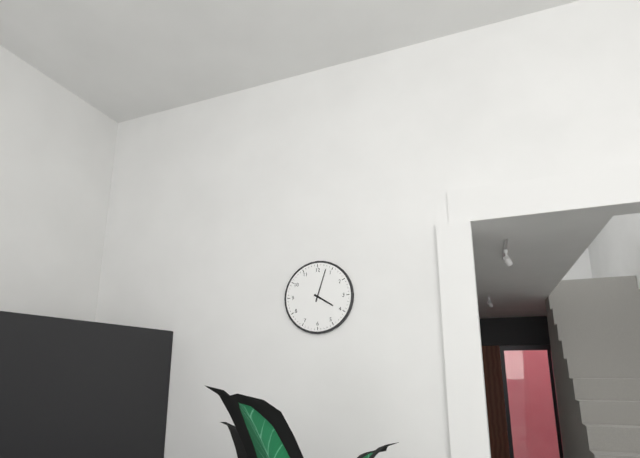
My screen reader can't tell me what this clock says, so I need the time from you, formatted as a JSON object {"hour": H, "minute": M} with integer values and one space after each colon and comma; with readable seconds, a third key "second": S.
{"hour": 4, "minute": 3}
